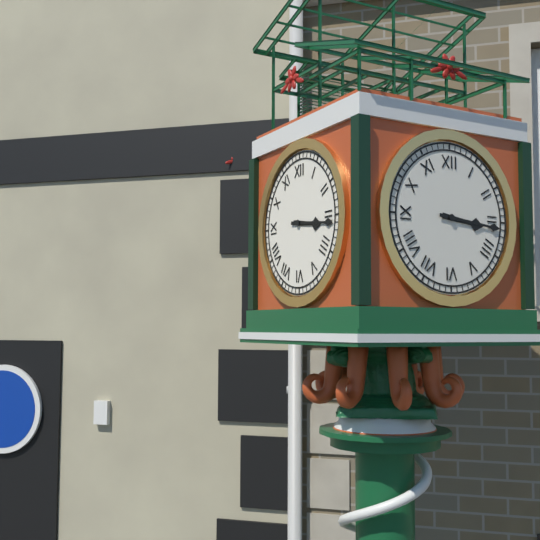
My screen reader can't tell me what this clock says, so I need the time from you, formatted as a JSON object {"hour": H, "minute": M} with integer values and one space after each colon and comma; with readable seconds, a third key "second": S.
{"hour": 3, "minute": 16}
